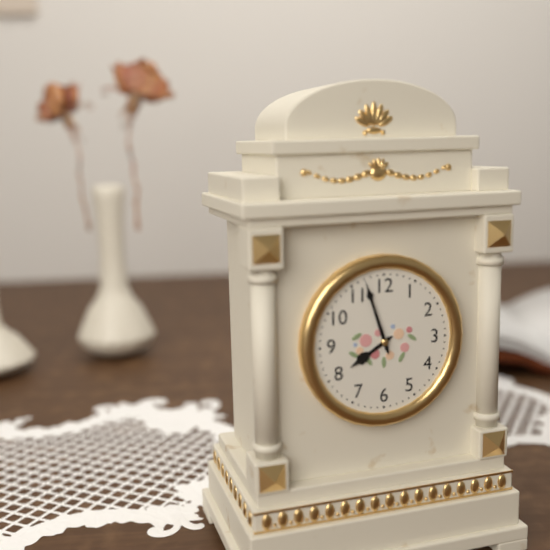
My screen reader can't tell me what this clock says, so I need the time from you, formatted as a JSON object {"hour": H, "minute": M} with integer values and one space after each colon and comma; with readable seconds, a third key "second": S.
{"hour": 7, "minute": 57}
